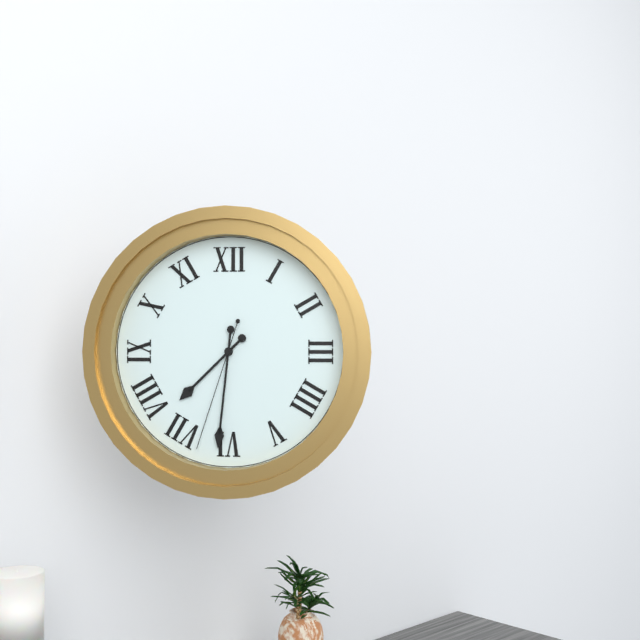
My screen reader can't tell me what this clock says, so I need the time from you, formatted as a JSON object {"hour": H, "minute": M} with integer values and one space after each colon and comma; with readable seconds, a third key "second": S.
{"hour": 7, "minute": 31, "second": 33}
